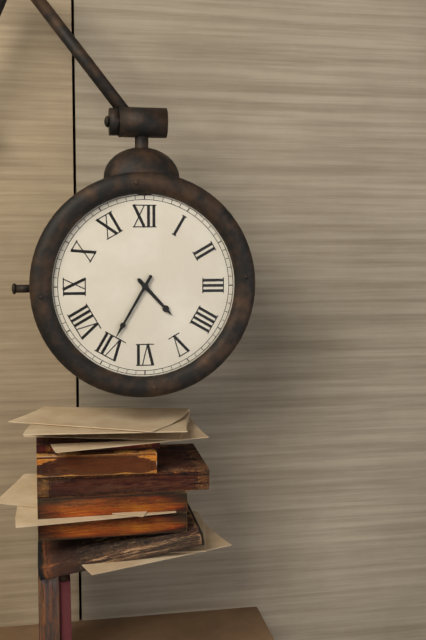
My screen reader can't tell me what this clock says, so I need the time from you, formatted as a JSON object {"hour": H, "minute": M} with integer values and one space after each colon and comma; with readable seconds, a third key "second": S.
{"hour": 4, "minute": 35}
